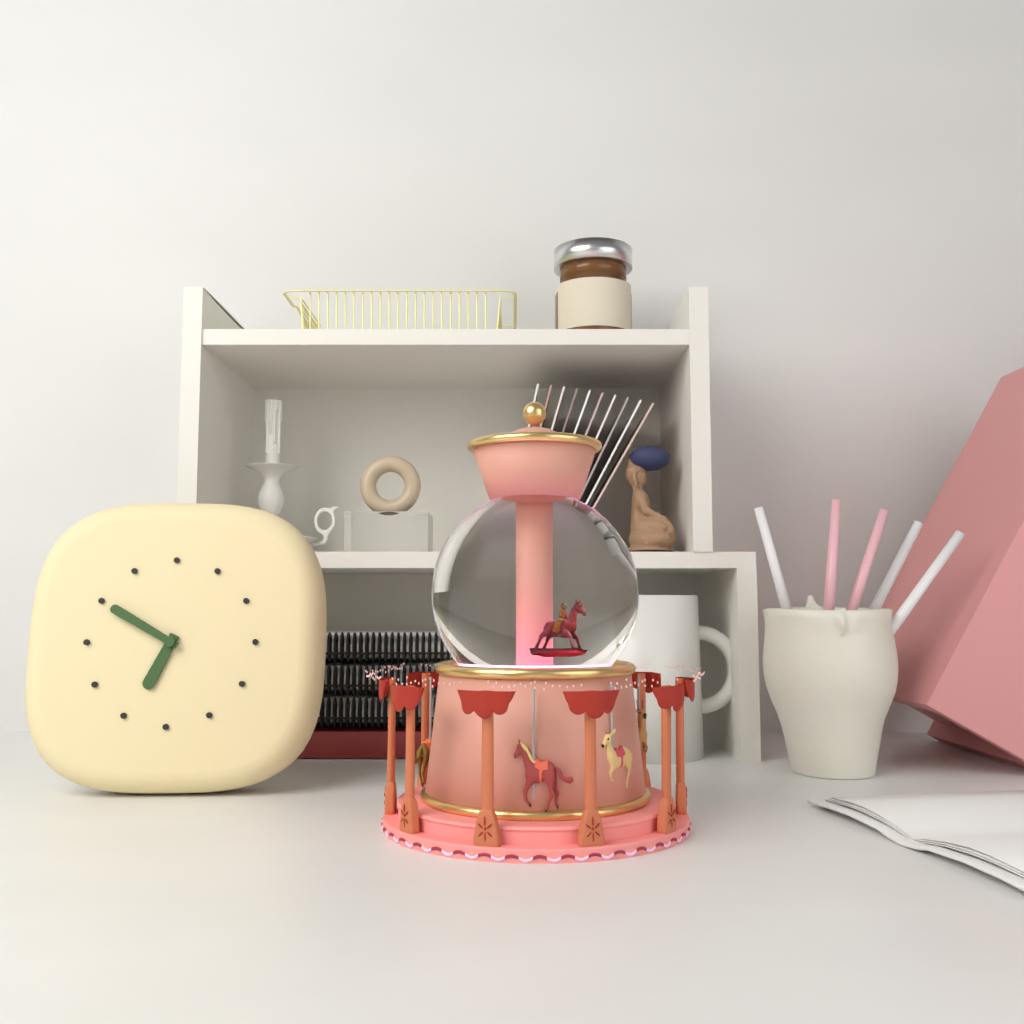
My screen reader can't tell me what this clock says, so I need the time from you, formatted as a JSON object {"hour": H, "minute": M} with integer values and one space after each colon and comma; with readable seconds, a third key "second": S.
{"hour": 6, "minute": 50}
